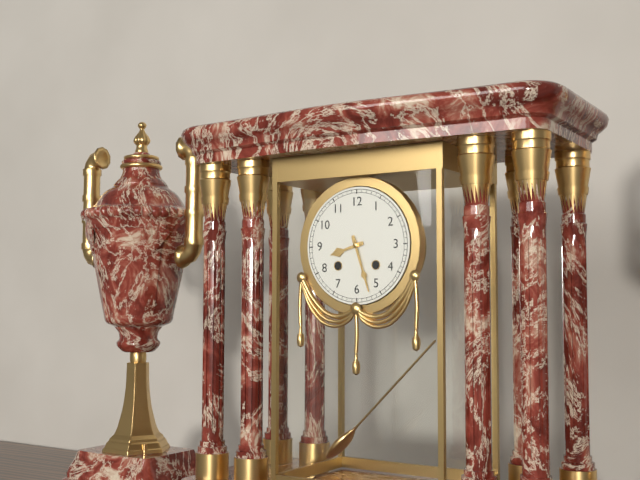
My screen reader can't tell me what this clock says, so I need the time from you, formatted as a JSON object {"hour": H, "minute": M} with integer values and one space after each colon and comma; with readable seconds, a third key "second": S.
{"hour": 8, "minute": 27}
